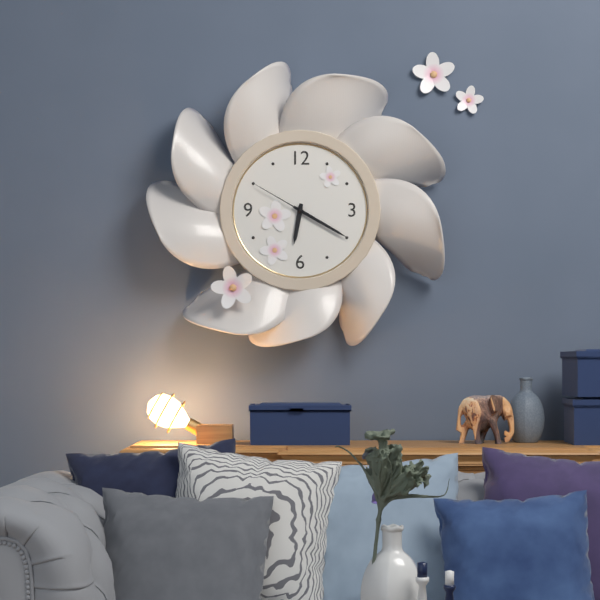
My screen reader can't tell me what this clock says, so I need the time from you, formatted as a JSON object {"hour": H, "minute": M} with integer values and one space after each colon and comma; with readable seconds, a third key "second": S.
{"hour": 6, "minute": 20, "second": 50}
